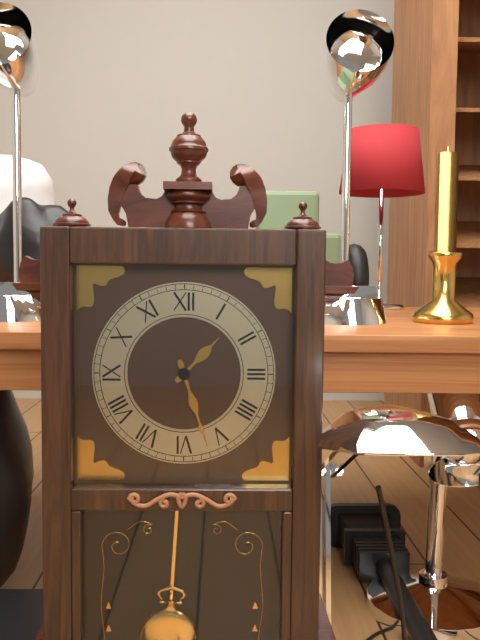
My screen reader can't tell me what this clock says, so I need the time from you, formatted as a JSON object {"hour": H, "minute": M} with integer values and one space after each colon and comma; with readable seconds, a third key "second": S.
{"hour": 1, "minute": 27}
